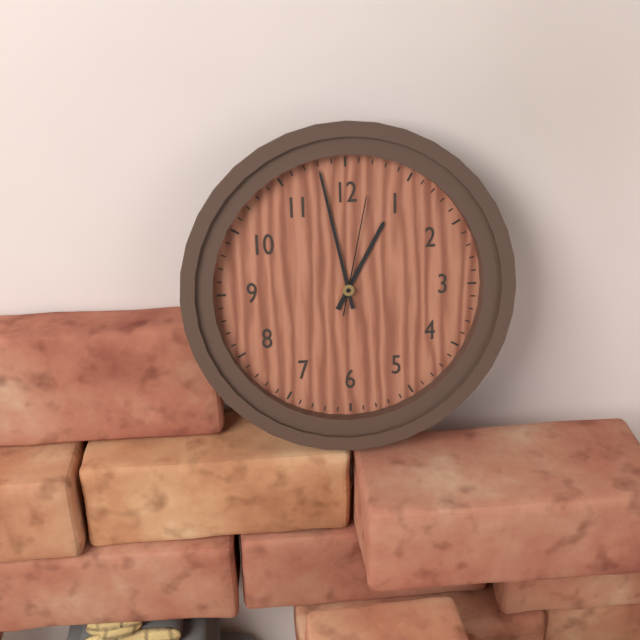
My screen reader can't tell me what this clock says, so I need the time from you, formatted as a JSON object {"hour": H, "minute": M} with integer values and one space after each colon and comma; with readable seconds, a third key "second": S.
{"hour": 12, "minute": 58, "second": 2}
